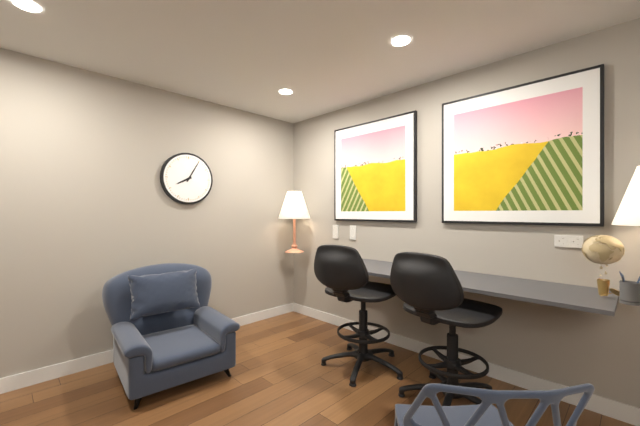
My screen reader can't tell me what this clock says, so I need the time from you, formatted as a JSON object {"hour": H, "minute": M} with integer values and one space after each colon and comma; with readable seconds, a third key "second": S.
{"hour": 8, "minute": 5}
